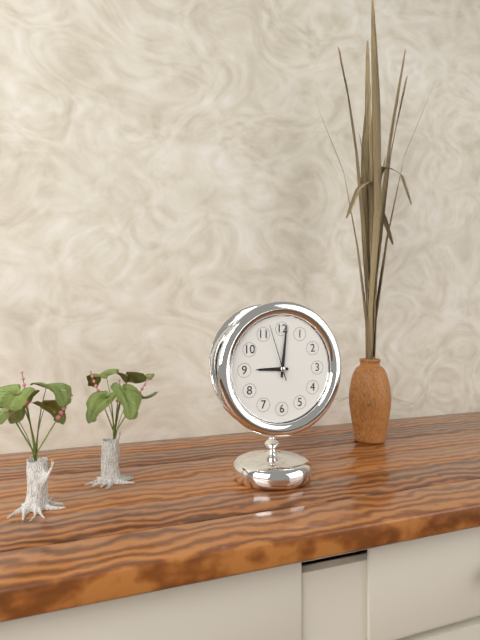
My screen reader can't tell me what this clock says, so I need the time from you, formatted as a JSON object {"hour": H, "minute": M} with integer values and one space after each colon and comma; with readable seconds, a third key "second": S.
{"hour": 9, "minute": 1, "second": 57}
